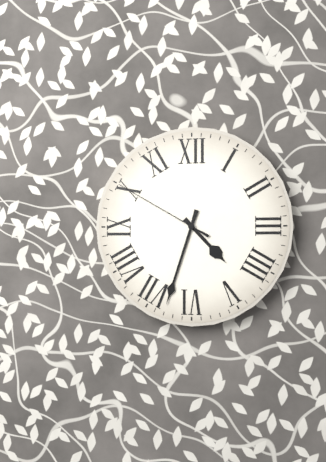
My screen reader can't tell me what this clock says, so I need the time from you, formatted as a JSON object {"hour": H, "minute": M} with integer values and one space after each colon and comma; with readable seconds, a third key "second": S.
{"hour": 4, "minute": 33, "second": 50}
